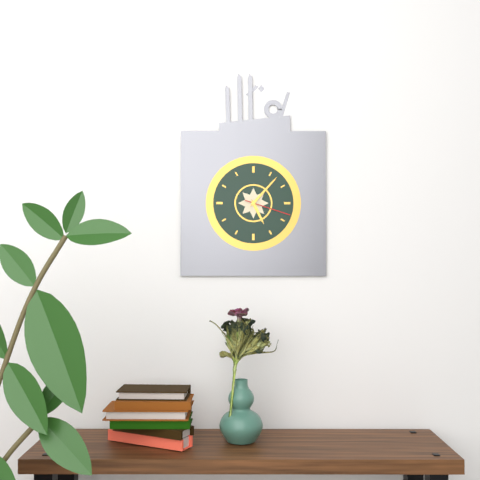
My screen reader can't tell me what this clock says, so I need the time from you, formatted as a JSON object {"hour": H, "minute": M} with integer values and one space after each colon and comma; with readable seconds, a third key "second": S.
{"hour": 5, "minute": 7}
